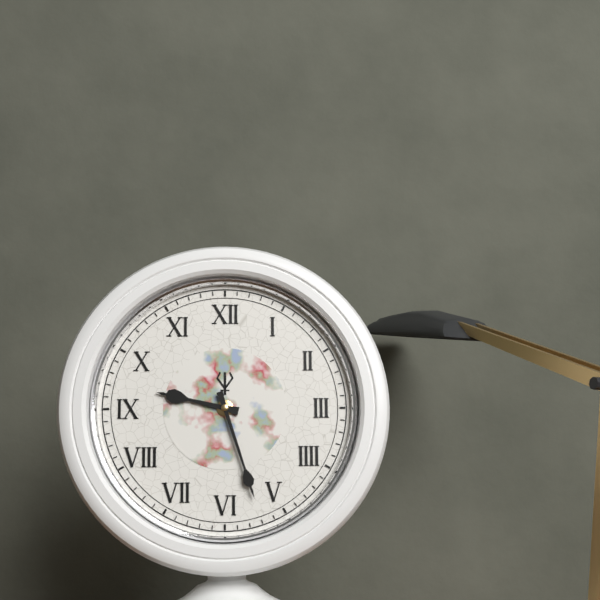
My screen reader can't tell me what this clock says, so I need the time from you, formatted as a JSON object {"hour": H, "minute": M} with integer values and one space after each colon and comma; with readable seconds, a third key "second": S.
{"hour": 9, "minute": 27}
